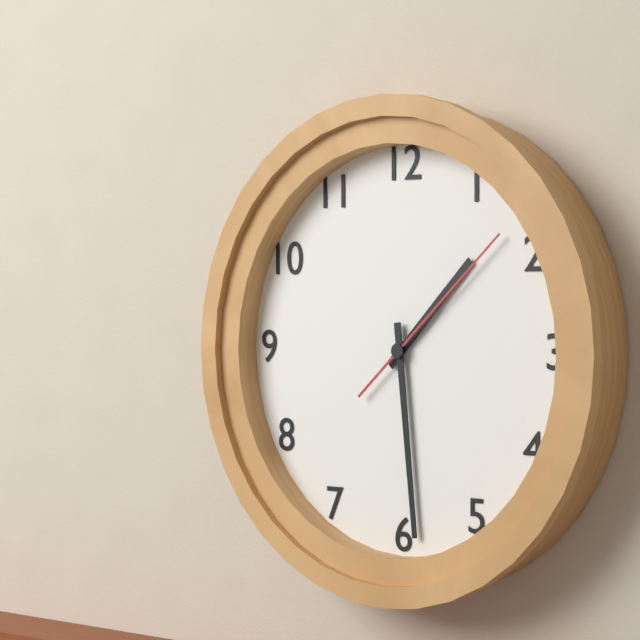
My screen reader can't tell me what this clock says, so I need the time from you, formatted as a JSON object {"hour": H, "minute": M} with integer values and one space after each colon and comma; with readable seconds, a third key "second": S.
{"hour": 1, "minute": 29, "second": 8}
